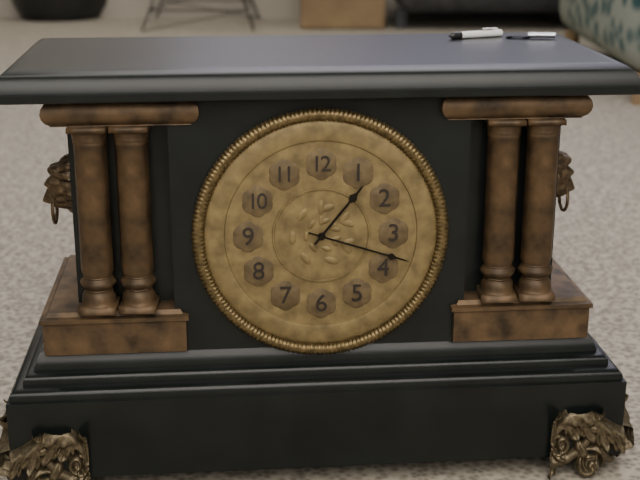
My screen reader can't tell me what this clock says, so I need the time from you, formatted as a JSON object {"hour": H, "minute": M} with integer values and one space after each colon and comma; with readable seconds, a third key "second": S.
{"hour": 1, "minute": 18}
